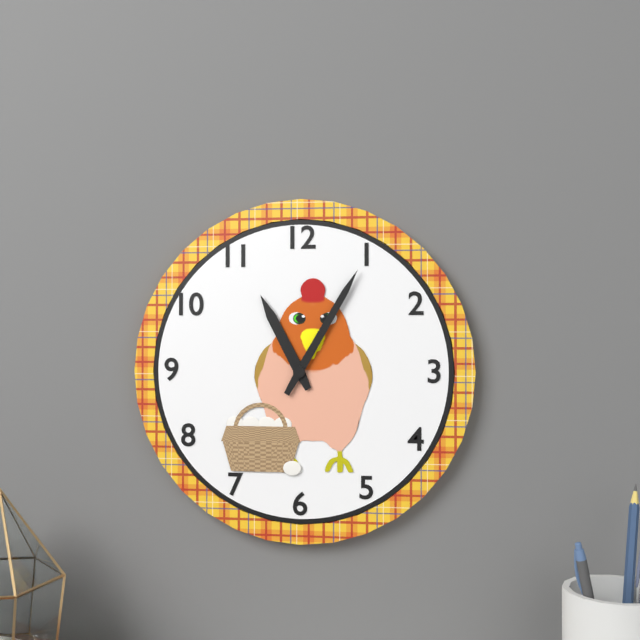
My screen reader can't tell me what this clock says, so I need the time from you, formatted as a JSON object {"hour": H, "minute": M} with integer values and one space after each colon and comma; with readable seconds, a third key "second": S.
{"hour": 11, "minute": 5}
